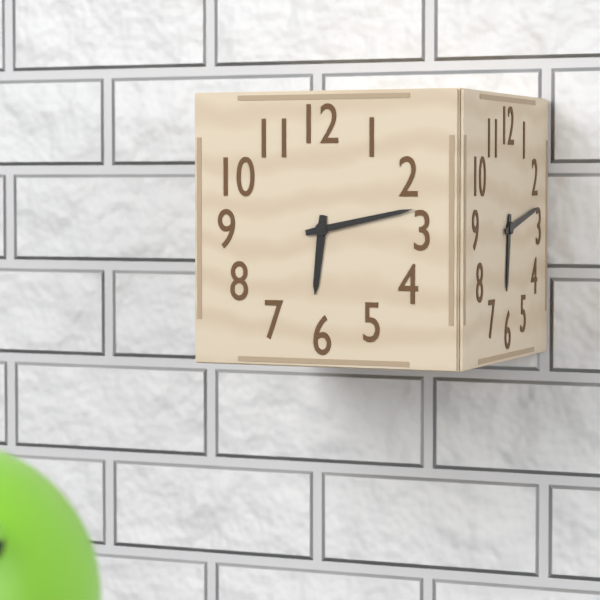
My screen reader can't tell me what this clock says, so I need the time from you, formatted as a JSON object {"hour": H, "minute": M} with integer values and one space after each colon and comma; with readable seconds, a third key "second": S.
{"hour": 6, "minute": 13}
